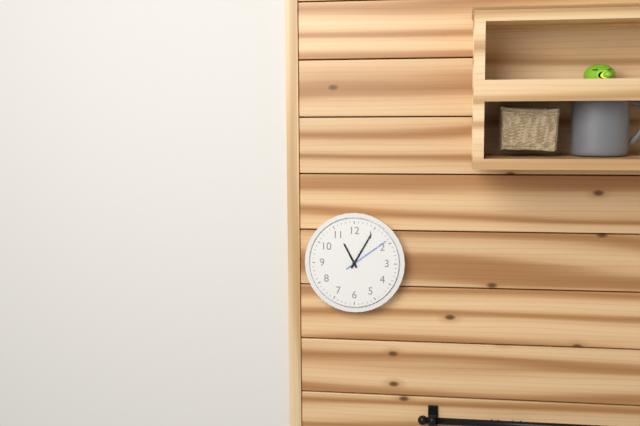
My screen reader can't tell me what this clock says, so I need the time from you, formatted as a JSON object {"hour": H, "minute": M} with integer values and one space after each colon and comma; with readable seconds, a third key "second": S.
{"hour": 11, "minute": 5, "second": 9}
